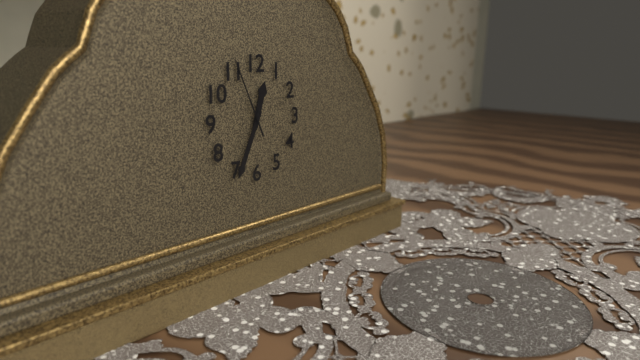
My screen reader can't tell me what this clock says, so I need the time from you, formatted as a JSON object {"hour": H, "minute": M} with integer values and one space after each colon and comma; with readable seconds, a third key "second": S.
{"hour": 12, "minute": 34, "second": 56}
